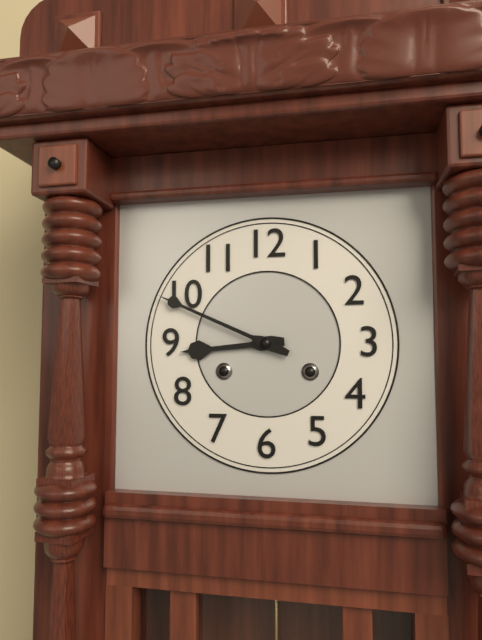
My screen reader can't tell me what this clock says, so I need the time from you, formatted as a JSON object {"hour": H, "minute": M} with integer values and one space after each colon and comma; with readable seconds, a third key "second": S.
{"hour": 8, "minute": 49}
